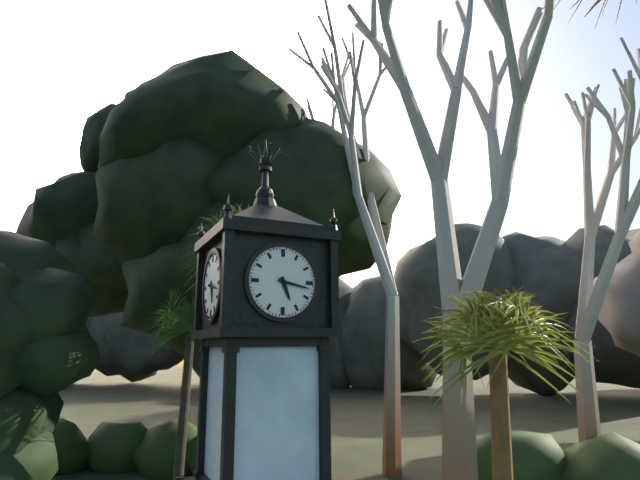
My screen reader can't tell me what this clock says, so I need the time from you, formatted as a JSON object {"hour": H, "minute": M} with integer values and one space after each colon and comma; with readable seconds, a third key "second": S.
{"hour": 5, "minute": 17}
